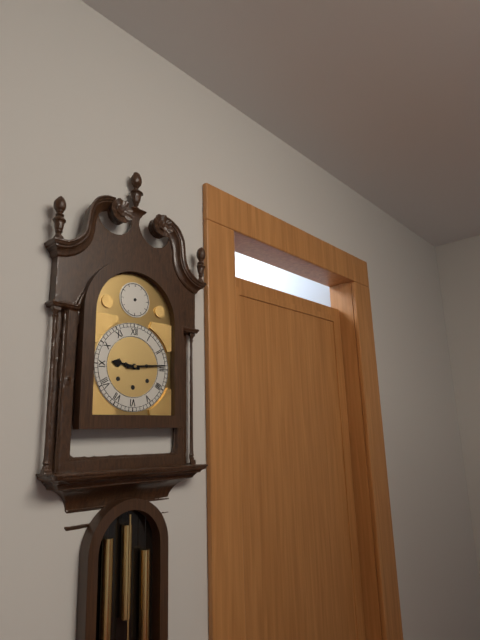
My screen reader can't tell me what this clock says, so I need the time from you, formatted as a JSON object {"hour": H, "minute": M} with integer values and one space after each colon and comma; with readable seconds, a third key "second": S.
{"hour": 9, "minute": 14}
